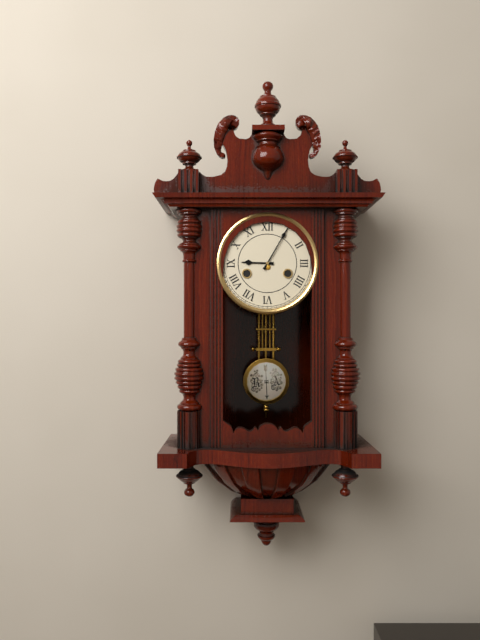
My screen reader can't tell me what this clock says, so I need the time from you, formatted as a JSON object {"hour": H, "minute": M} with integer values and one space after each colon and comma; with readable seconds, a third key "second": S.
{"hour": 9, "minute": 5}
